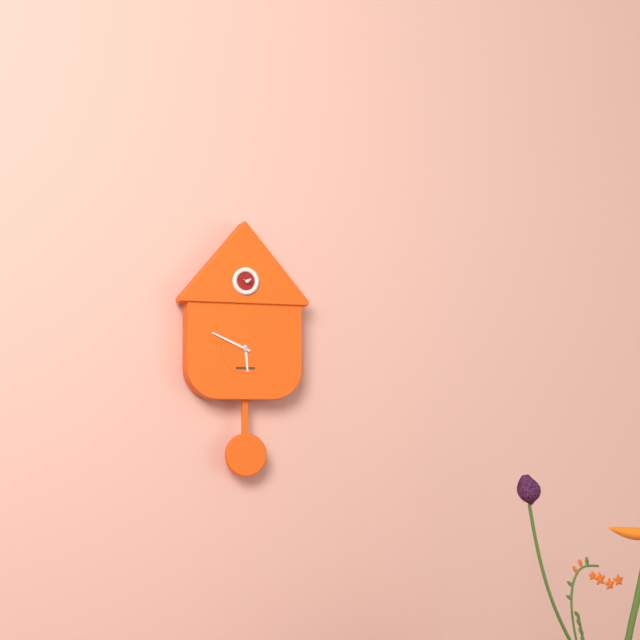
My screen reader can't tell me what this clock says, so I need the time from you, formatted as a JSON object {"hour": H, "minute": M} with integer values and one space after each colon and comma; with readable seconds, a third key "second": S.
{"hour": 5, "minute": 49}
